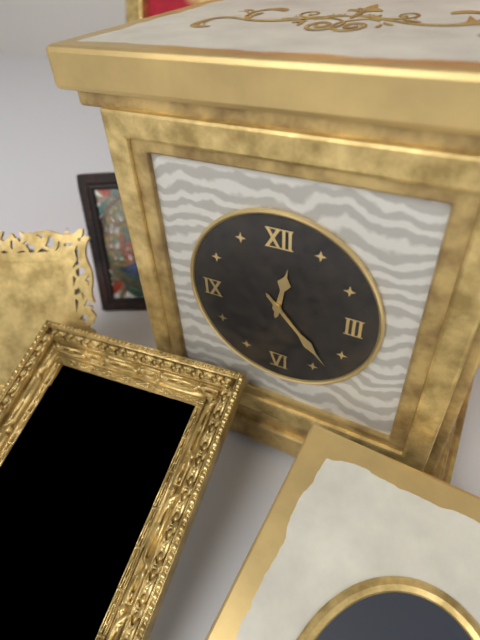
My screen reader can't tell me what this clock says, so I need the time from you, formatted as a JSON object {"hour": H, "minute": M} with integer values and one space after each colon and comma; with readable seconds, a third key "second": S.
{"hour": 12, "minute": 23}
